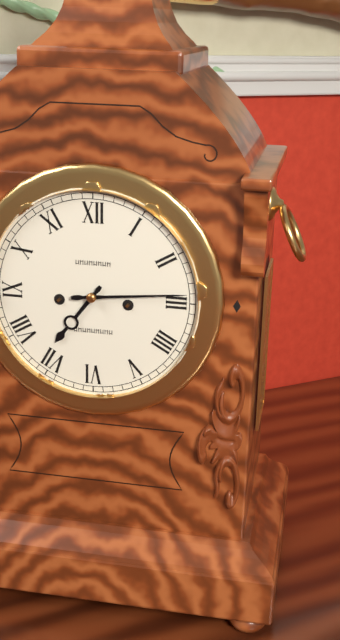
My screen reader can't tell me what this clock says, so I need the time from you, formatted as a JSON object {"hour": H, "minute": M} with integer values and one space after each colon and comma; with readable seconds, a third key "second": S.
{"hour": 7, "minute": 14}
